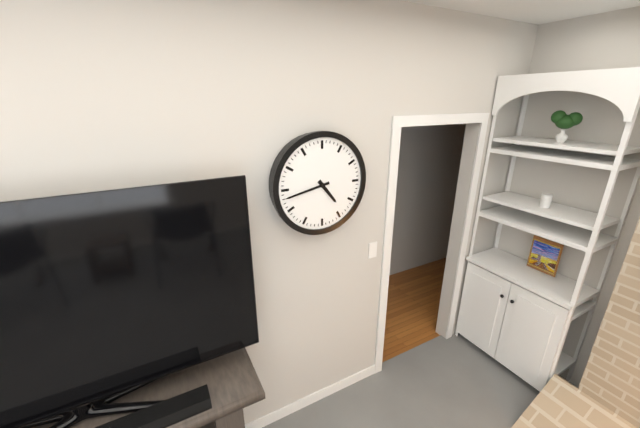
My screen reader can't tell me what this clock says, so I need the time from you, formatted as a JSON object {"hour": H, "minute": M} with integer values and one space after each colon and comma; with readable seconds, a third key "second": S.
{"hour": 4, "minute": 43}
